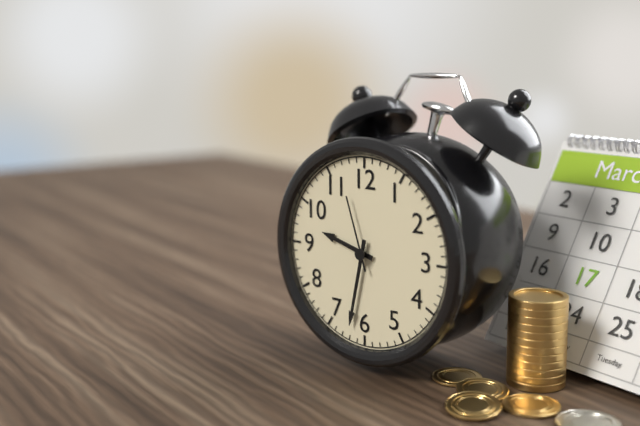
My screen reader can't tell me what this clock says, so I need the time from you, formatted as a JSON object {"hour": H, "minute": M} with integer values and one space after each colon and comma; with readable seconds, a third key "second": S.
{"hour": 9, "minute": 32, "second": 57}
